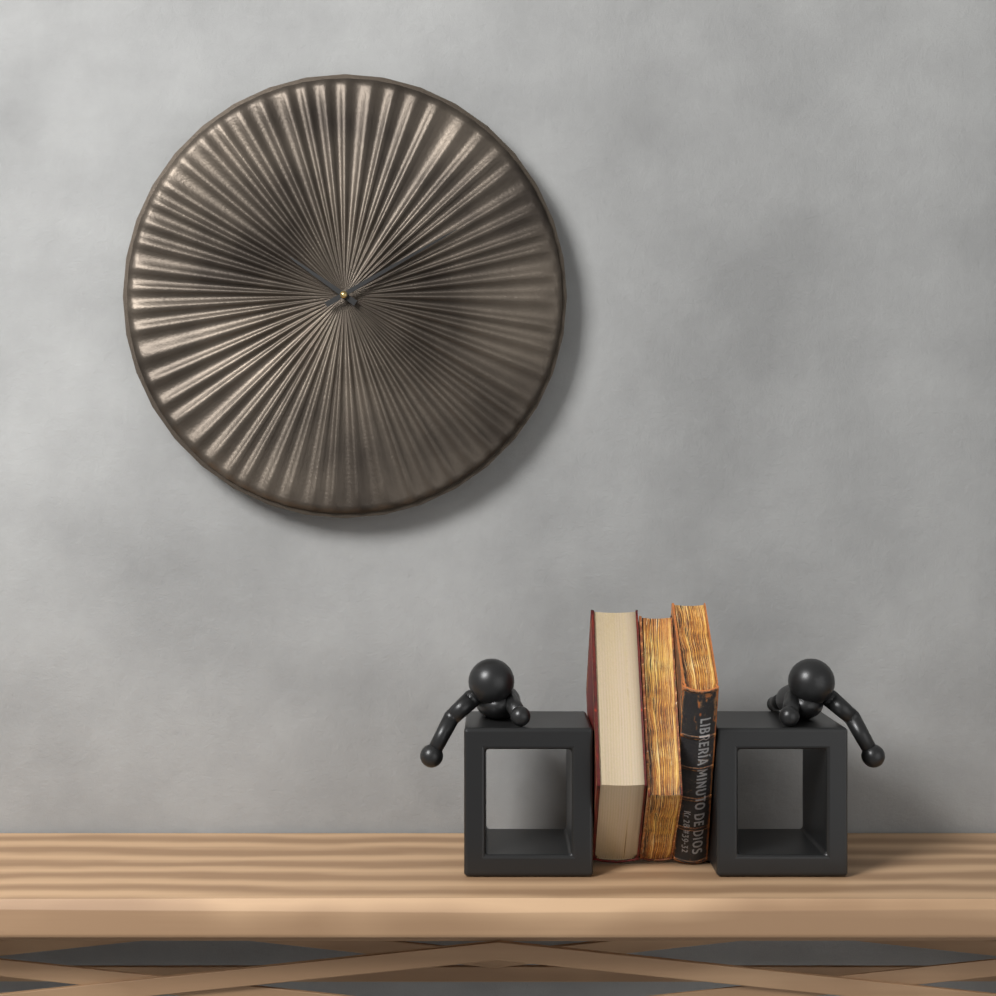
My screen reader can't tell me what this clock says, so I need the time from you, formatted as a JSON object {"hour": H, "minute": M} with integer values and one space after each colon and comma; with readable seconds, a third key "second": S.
{"hour": 10, "minute": 10}
